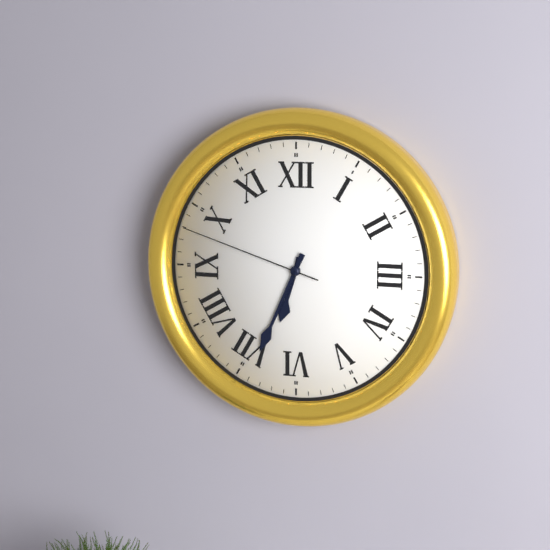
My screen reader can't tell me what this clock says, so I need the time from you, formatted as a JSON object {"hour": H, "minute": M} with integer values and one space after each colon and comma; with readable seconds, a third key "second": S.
{"hour": 6, "minute": 34, "second": 48}
